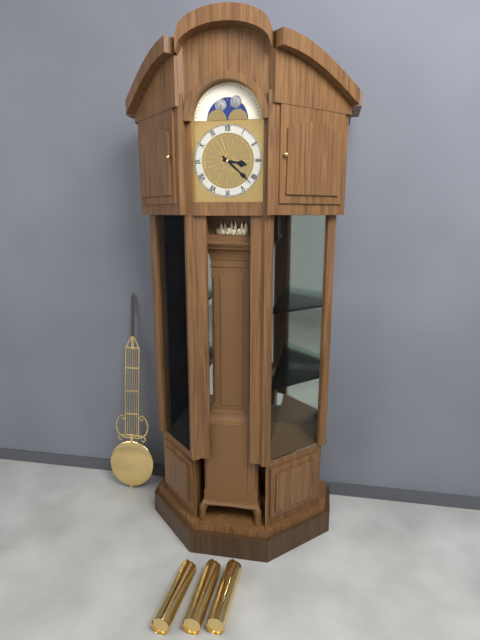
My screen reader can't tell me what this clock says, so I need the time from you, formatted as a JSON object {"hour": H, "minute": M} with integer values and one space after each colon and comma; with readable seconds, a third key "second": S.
{"hour": 3, "minute": 22}
